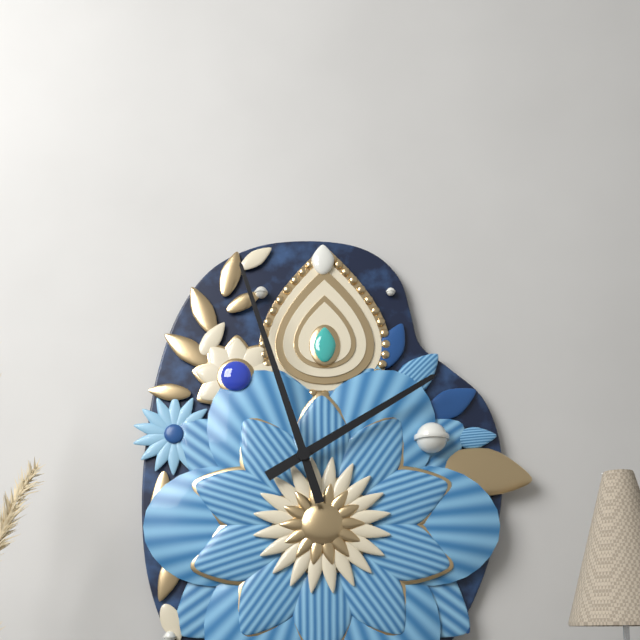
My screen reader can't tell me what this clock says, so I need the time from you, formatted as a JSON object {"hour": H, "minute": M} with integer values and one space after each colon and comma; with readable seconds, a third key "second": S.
{"hour": 1, "minute": 57}
